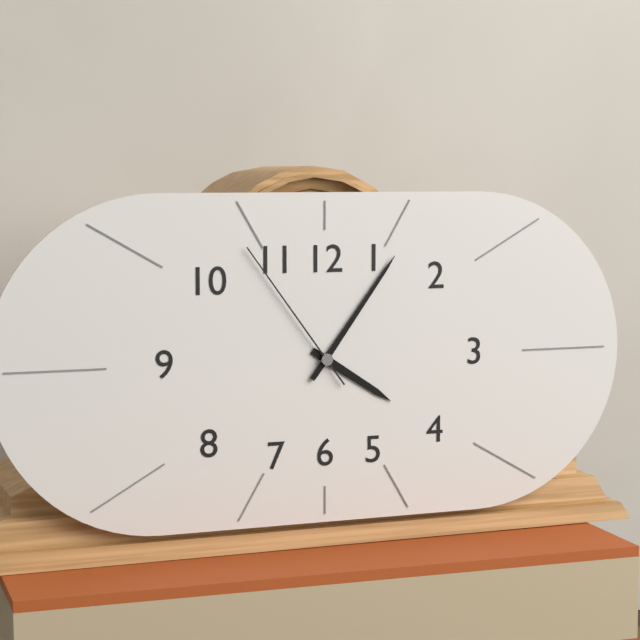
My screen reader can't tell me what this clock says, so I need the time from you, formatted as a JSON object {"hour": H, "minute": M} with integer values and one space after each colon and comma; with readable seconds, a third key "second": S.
{"hour": 4, "minute": 6, "second": 54}
